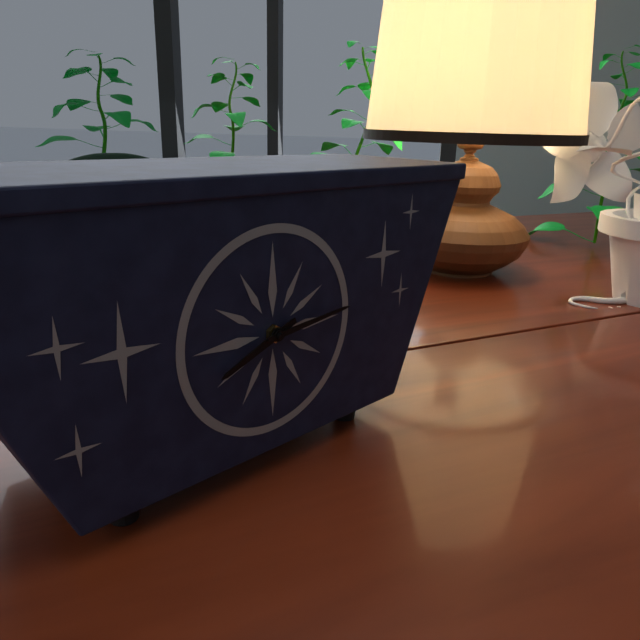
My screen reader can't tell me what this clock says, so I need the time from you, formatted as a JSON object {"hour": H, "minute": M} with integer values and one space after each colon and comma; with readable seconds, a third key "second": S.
{"hour": 8, "minute": 14}
